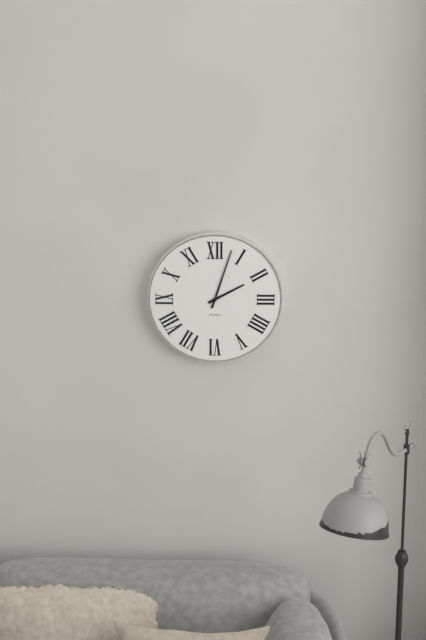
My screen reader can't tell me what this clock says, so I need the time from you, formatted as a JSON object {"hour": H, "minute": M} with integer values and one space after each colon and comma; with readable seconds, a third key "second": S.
{"hour": 2, "minute": 3}
